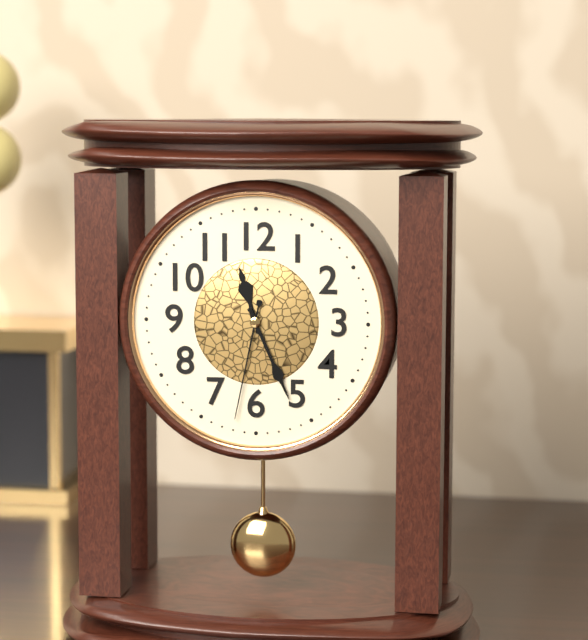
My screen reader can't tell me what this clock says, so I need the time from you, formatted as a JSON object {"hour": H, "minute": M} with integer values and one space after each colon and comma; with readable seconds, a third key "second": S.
{"hour": 11, "minute": 26, "second": 32}
